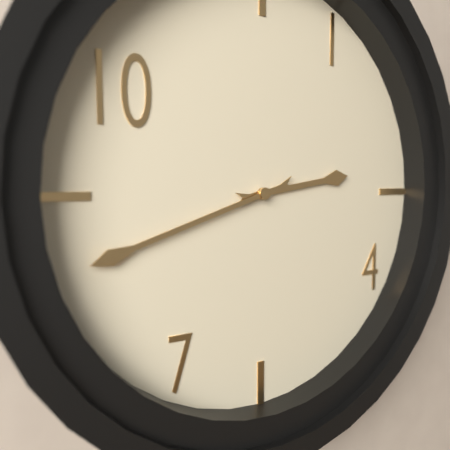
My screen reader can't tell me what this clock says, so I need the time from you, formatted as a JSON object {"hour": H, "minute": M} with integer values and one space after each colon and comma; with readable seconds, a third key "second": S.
{"hour": 2, "minute": 42}
